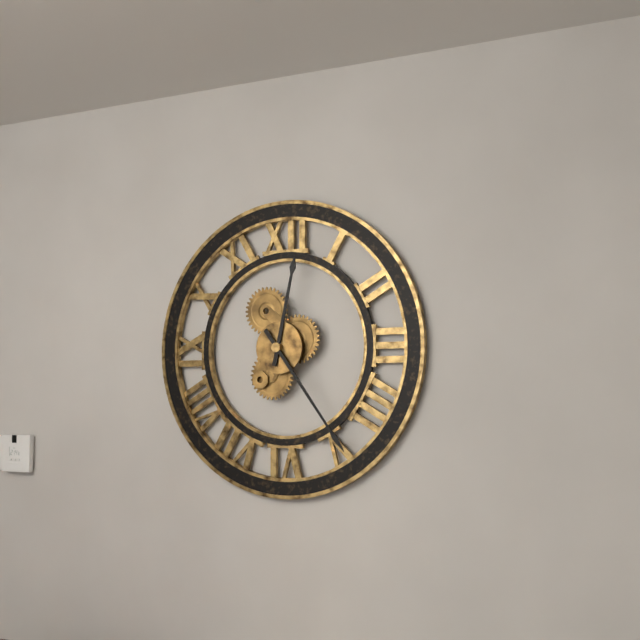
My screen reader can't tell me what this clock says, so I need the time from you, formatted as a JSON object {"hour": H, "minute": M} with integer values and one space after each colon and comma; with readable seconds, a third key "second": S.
{"hour": 12, "minute": 24}
